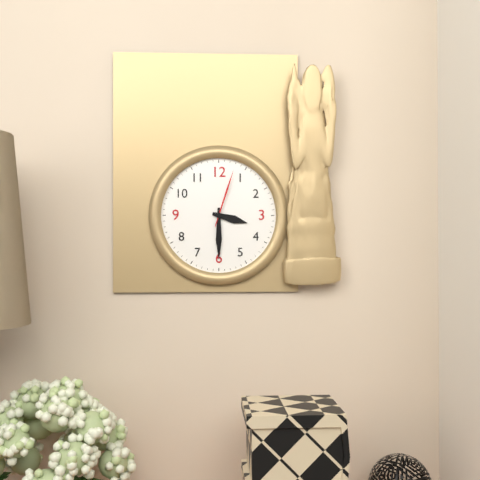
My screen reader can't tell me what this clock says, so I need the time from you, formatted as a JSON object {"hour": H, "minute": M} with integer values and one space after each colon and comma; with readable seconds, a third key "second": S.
{"hour": 3, "minute": 30, "second": 3}
